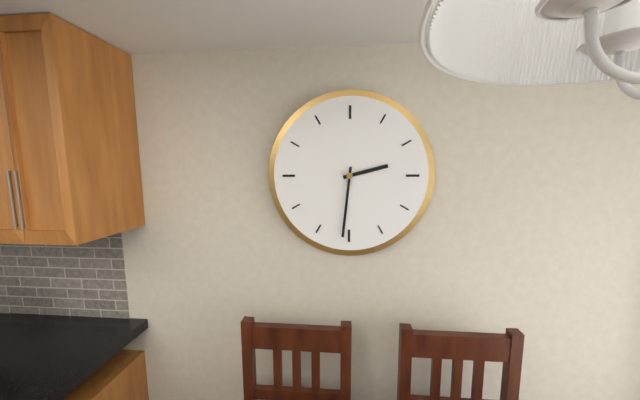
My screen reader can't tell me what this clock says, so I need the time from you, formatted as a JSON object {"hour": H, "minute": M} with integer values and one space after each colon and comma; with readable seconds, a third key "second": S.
{"hour": 2, "minute": 31}
